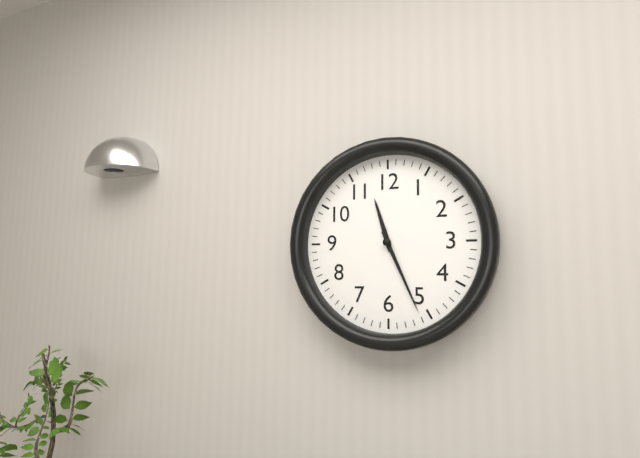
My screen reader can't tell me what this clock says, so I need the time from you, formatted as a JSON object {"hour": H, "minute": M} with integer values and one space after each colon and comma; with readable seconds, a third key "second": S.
{"hour": 11, "minute": 26}
